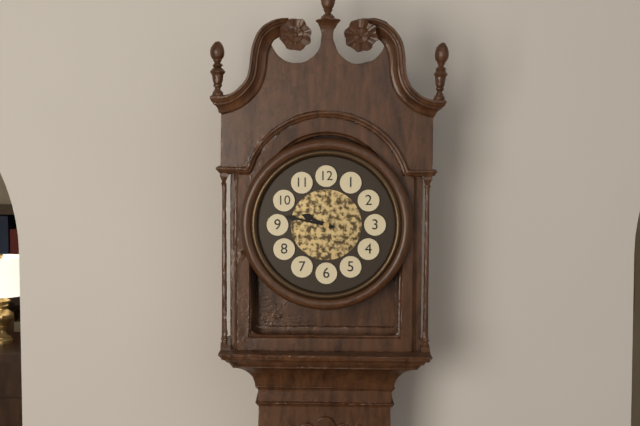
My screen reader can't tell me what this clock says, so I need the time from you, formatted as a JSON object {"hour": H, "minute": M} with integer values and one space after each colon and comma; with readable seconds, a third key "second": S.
{"hour": 9, "minute": 47}
